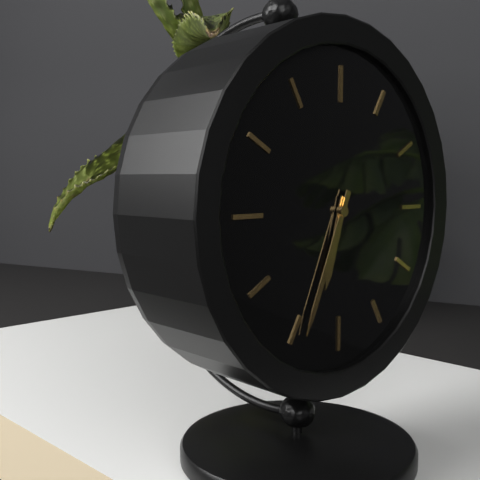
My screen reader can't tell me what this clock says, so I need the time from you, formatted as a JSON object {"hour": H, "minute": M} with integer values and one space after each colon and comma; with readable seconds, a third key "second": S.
{"hour": 6, "minute": 34}
